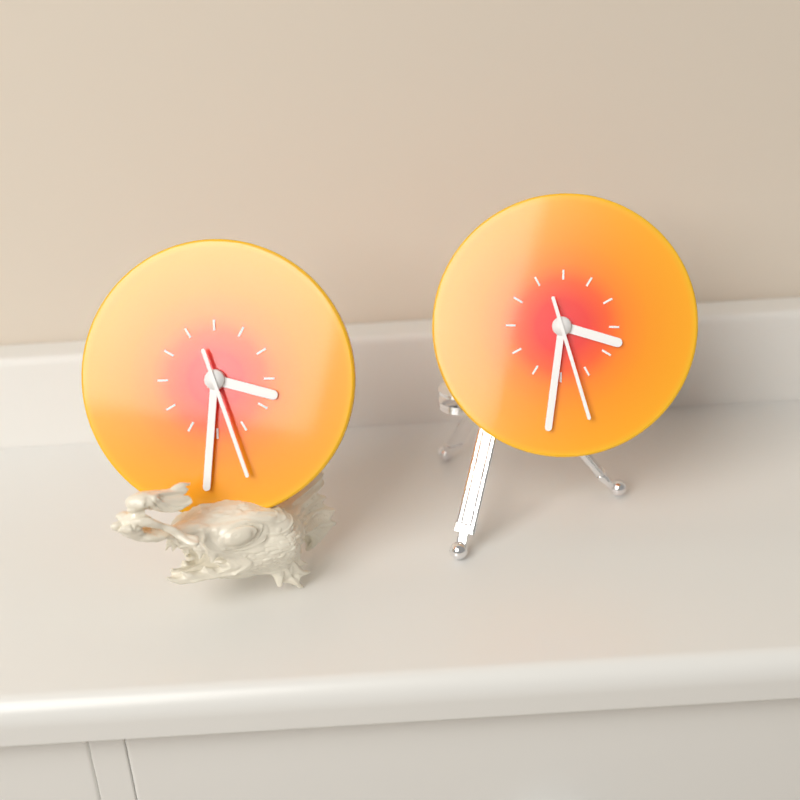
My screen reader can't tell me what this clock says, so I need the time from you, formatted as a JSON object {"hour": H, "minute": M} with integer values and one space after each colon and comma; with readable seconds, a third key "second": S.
{"hour": 3, "minute": 31, "second": 27}
